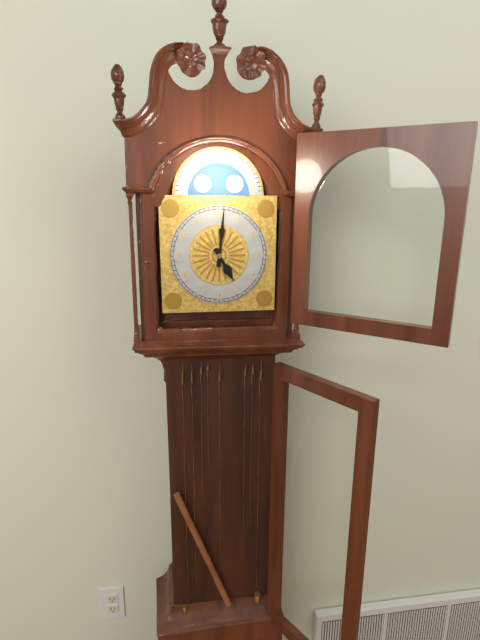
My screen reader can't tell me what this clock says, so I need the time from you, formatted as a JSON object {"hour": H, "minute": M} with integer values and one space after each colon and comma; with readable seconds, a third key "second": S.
{"hour": 5, "minute": 1}
